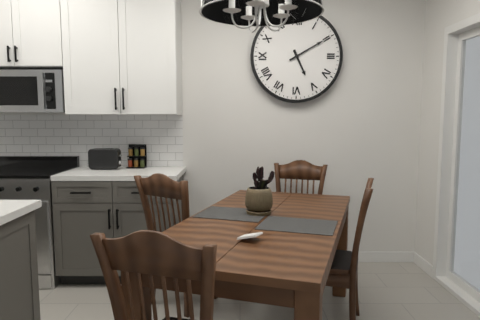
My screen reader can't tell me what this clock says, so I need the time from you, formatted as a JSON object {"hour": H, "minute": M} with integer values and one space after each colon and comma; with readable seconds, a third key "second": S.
{"hour": 5, "minute": 10}
